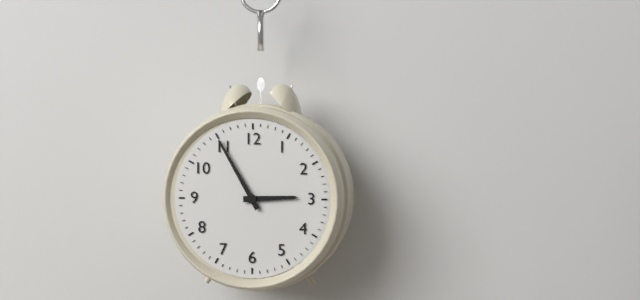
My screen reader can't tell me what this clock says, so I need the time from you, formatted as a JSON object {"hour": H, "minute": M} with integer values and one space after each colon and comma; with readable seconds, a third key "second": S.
{"hour": 2, "minute": 55}
